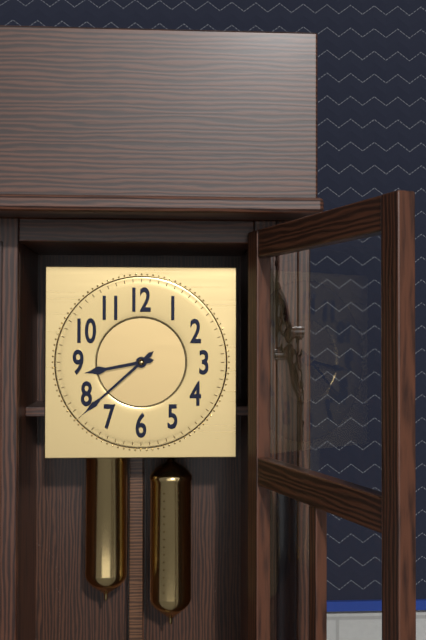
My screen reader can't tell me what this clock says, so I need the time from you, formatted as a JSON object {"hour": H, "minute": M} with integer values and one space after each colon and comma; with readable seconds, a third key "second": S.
{"hour": 8, "minute": 38}
